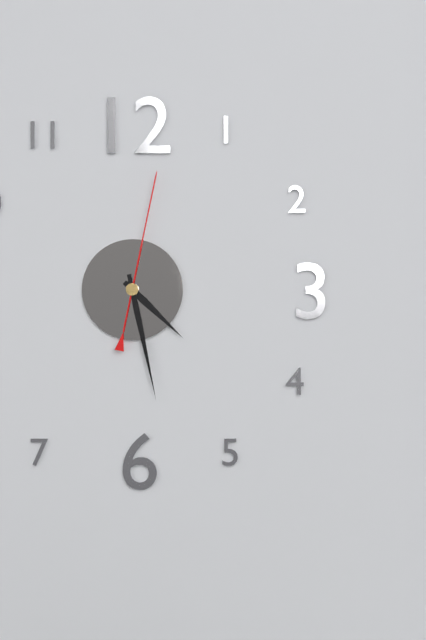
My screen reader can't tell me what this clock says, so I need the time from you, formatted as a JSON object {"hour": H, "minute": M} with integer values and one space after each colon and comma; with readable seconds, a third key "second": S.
{"hour": 4, "minute": 28, "second": 2}
